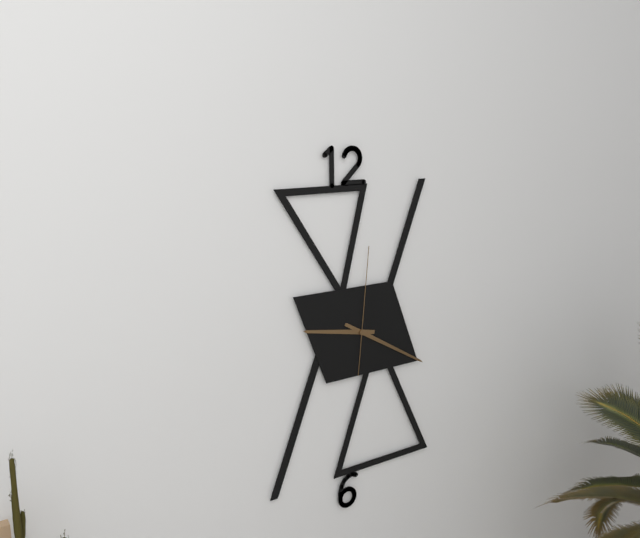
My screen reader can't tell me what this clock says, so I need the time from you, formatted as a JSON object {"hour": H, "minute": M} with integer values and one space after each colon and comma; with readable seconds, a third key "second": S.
{"hour": 9, "minute": 20, "second": 1}
